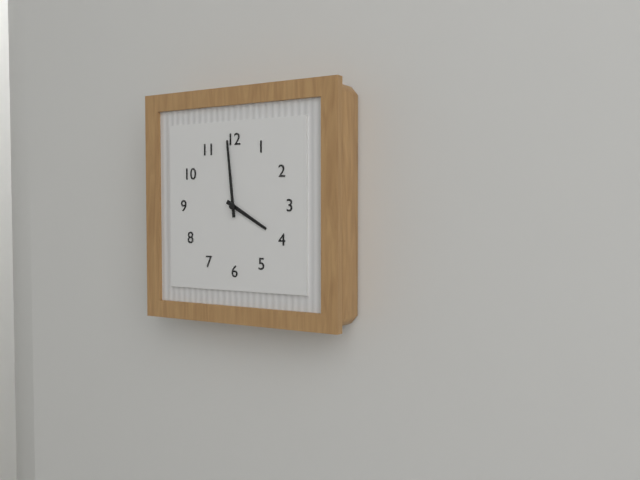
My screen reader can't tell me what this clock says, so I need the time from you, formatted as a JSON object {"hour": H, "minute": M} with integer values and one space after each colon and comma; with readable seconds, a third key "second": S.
{"hour": 3, "minute": 59}
